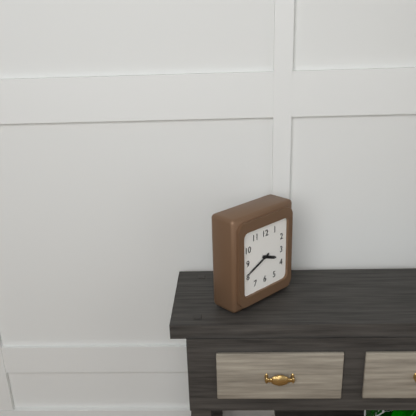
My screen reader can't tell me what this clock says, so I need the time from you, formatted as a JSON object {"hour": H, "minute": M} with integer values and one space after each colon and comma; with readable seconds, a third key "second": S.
{"hour": 3, "minute": 41}
